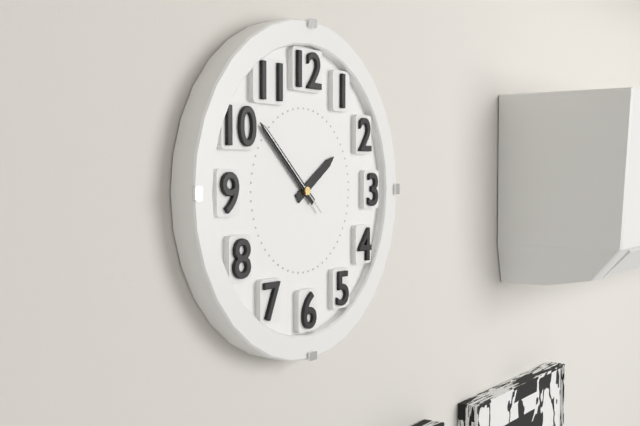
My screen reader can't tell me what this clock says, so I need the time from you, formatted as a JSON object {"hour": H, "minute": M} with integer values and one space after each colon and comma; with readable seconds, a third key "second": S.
{"hour": 1, "minute": 52, "second": 52}
